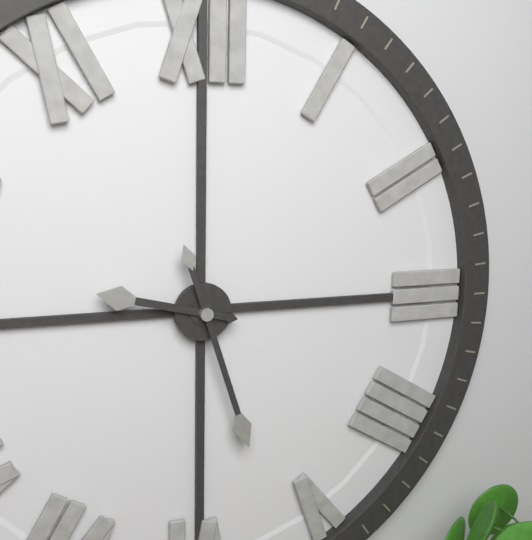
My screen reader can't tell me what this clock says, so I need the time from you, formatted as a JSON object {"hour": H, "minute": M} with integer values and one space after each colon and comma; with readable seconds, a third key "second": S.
{"hour": 9, "minute": 27}
